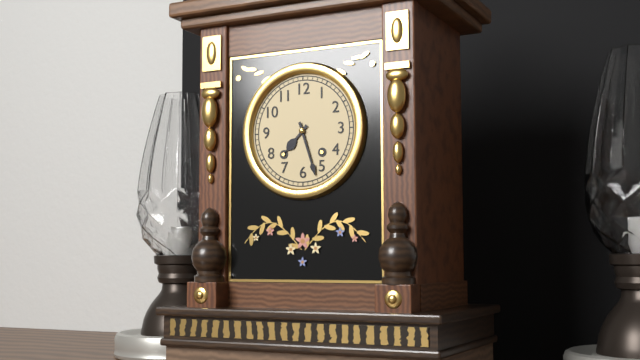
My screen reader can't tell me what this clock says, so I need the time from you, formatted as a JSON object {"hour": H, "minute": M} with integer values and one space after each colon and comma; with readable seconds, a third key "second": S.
{"hour": 7, "minute": 27}
